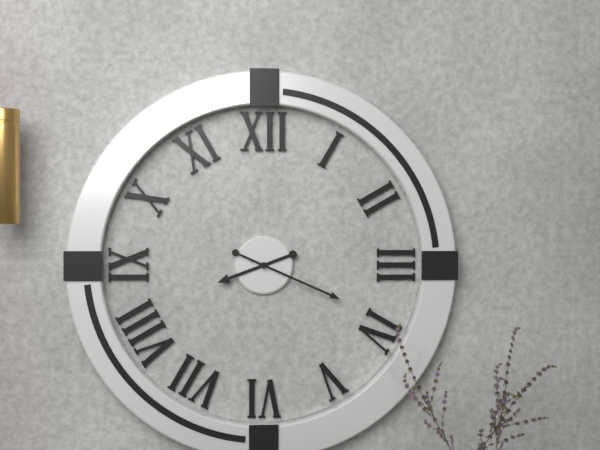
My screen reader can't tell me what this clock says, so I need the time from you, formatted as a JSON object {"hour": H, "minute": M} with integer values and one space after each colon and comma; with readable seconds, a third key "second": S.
{"hour": 8, "minute": 19}
